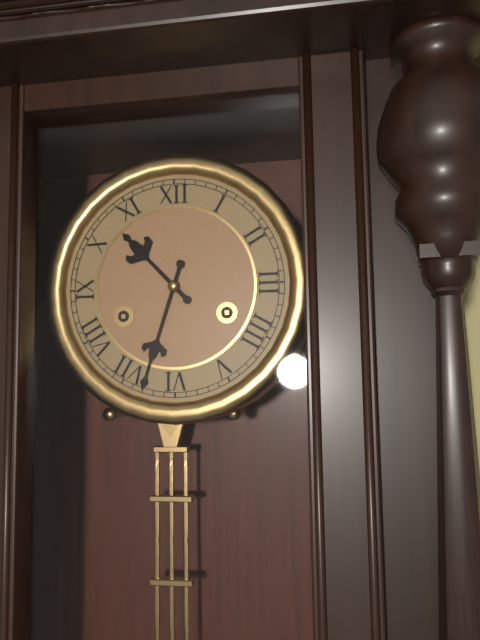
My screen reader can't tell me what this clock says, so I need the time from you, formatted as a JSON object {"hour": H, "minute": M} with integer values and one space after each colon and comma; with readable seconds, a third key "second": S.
{"hour": 10, "minute": 33}
